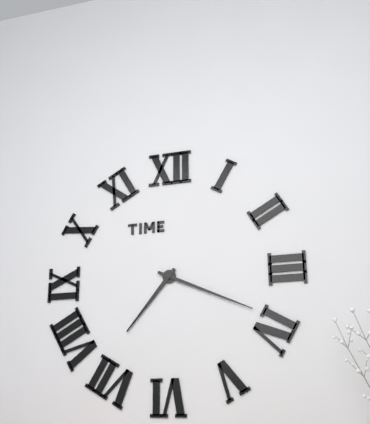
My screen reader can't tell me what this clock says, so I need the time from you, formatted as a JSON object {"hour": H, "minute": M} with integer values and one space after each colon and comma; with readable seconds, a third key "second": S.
{"hour": 7, "minute": 19}
